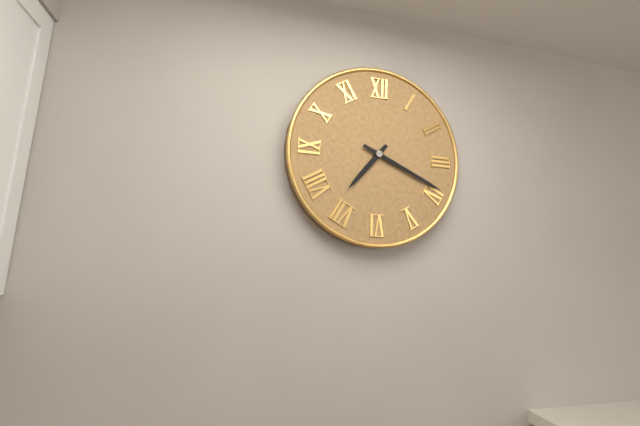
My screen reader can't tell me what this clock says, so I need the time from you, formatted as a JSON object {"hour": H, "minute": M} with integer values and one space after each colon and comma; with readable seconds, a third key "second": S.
{"hour": 7, "minute": 19}
